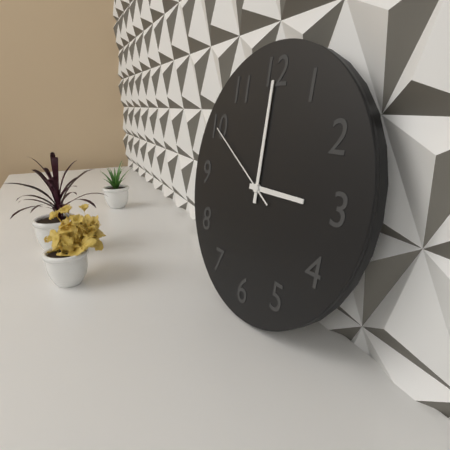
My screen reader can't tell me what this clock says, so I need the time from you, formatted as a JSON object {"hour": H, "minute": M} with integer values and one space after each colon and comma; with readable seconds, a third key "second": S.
{"hour": 3, "minute": 0, "second": 50}
